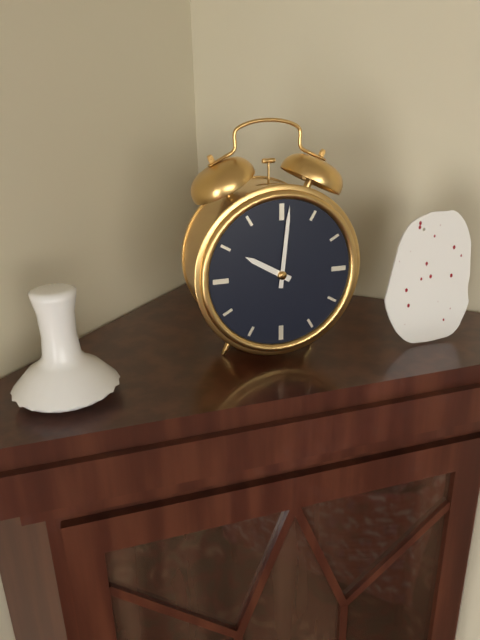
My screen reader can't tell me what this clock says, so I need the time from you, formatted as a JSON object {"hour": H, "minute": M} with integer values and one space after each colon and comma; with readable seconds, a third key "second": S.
{"hour": 10, "minute": 1}
